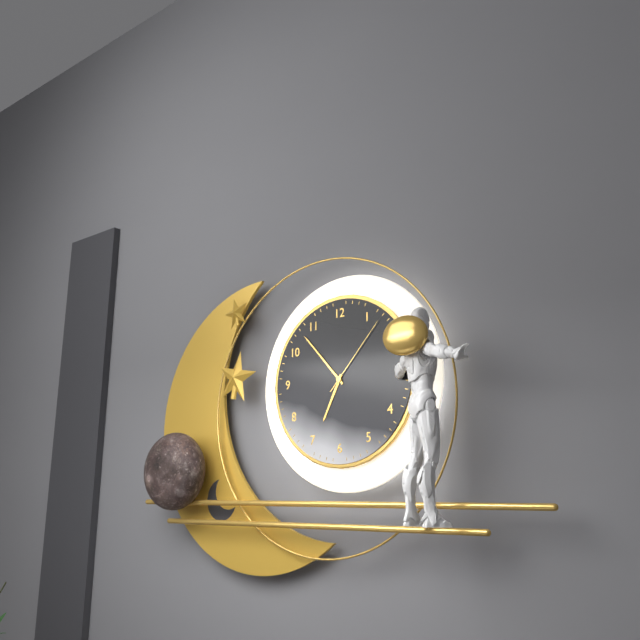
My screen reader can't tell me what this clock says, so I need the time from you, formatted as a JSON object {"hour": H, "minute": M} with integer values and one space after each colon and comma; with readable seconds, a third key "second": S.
{"hour": 6, "minute": 53, "second": 7}
